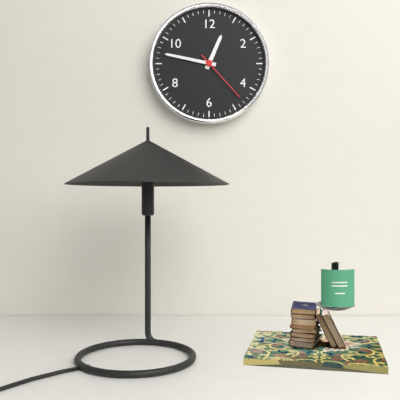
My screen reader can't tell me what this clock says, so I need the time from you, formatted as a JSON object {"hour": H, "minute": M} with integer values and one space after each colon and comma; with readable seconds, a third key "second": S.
{"hour": 12, "minute": 47, "second": 23}
